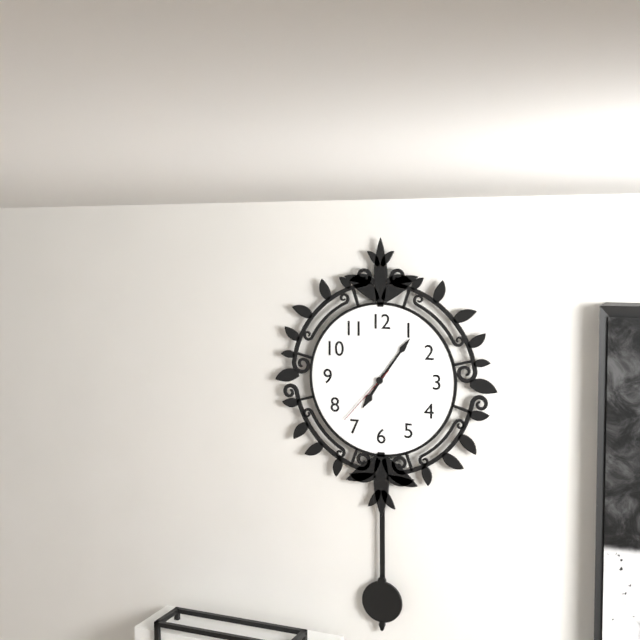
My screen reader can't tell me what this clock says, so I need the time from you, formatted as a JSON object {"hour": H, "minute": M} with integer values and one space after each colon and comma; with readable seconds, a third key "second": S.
{"hour": 7, "minute": 6, "second": 37}
